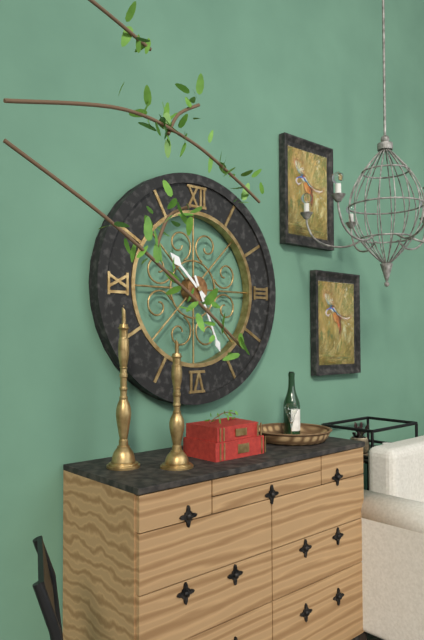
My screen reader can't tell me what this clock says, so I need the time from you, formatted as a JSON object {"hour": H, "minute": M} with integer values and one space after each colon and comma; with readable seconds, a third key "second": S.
{"hour": 10, "minute": 26}
